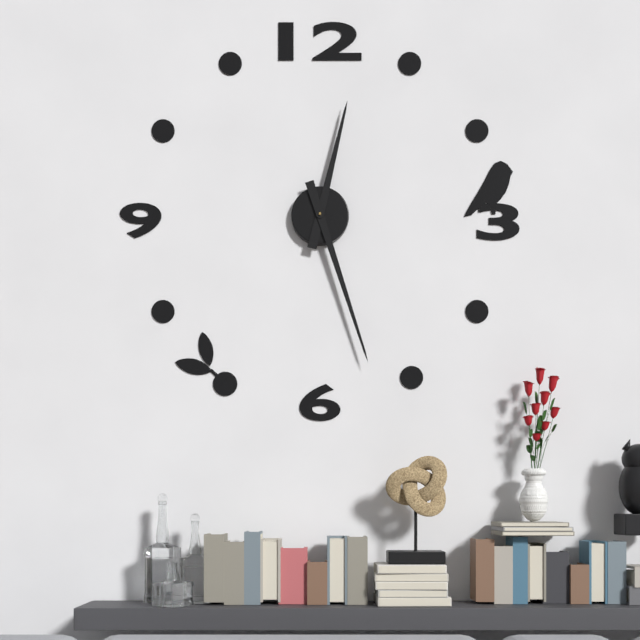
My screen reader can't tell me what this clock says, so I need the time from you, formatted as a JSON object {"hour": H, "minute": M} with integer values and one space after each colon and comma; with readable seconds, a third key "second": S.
{"hour": 12, "minute": 27}
